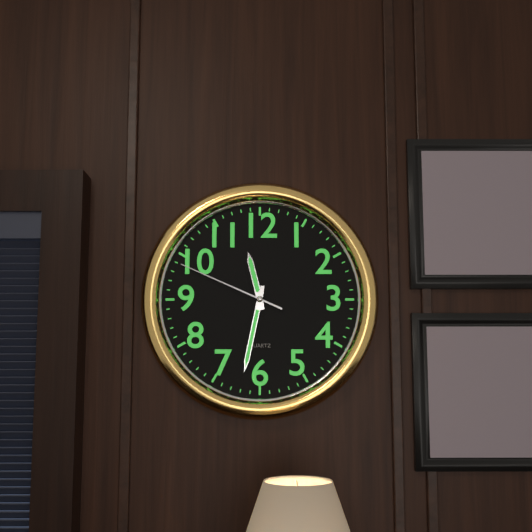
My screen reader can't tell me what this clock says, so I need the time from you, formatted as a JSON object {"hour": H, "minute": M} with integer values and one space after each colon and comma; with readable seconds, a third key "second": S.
{"hour": 11, "minute": 32, "second": 49}
